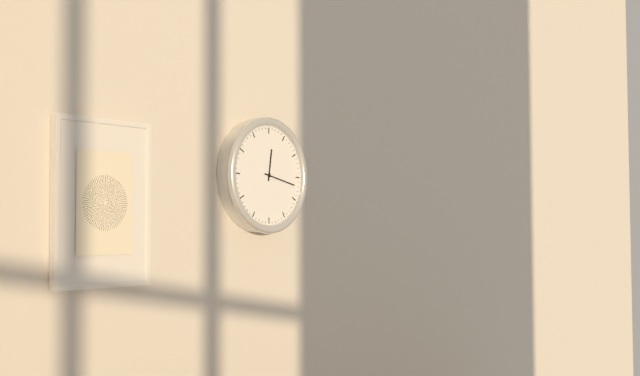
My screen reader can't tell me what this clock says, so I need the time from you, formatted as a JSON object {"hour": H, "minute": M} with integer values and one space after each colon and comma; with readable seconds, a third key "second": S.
{"hour": 12, "minute": 17}
